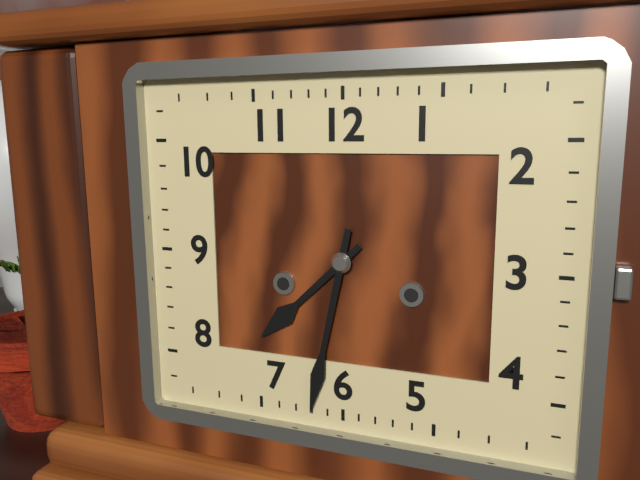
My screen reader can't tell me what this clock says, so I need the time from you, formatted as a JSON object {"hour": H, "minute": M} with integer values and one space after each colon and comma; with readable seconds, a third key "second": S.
{"hour": 7, "minute": 32}
